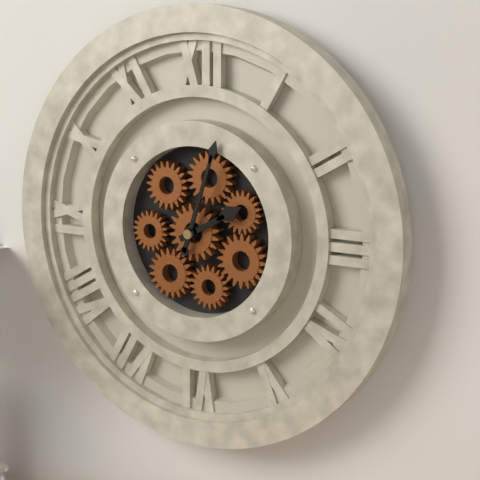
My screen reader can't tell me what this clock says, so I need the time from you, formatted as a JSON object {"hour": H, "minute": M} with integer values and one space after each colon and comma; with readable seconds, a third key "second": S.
{"hour": 2, "minute": 3}
